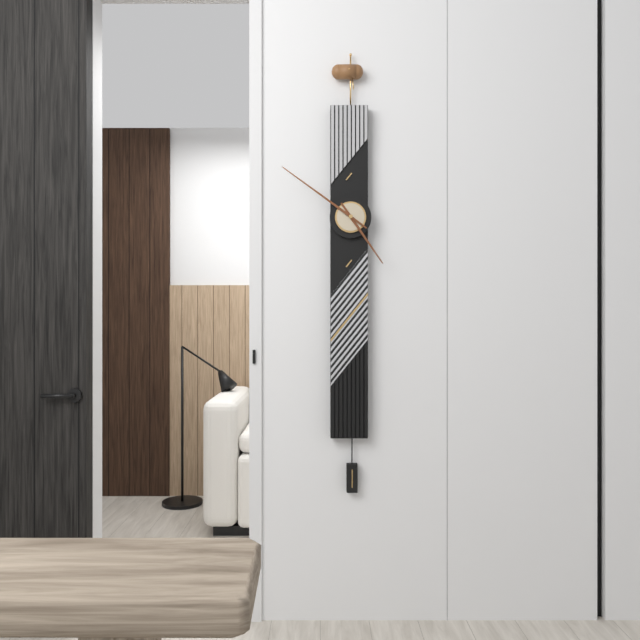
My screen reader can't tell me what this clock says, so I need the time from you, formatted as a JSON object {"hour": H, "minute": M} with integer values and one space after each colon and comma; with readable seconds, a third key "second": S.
{"hour": 4, "minute": 51}
